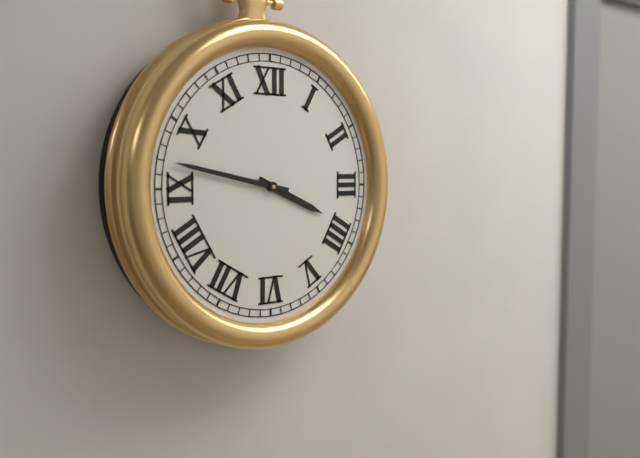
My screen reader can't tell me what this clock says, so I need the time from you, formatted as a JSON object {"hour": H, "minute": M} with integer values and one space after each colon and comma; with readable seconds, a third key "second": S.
{"hour": 3, "minute": 47}
